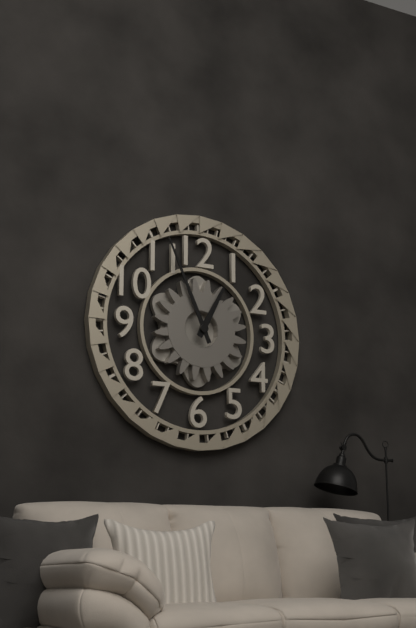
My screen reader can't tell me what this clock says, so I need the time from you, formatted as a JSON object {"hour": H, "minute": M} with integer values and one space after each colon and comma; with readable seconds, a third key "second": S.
{"hour": 12, "minute": 56}
